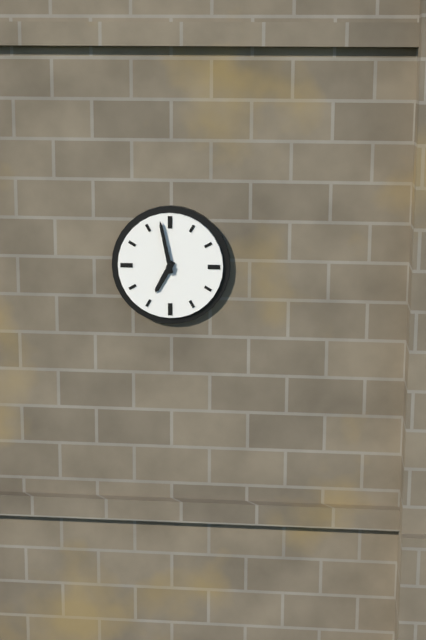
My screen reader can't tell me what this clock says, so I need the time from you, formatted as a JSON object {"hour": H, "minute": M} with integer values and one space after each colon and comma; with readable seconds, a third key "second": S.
{"hour": 6, "minute": 58}
